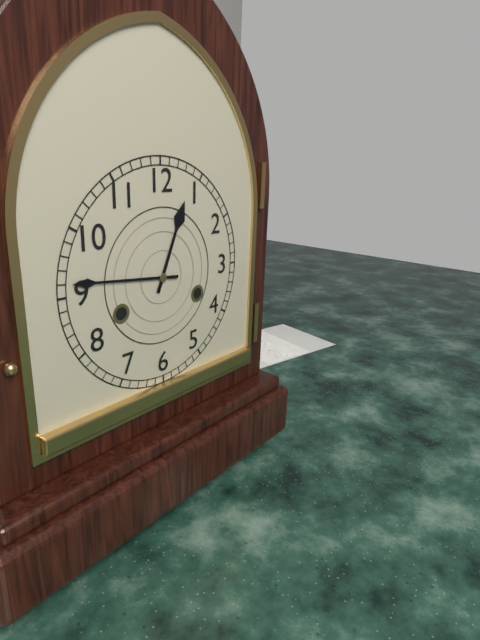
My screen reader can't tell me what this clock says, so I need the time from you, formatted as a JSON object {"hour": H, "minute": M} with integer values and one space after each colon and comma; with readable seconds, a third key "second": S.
{"hour": 12, "minute": 46}
